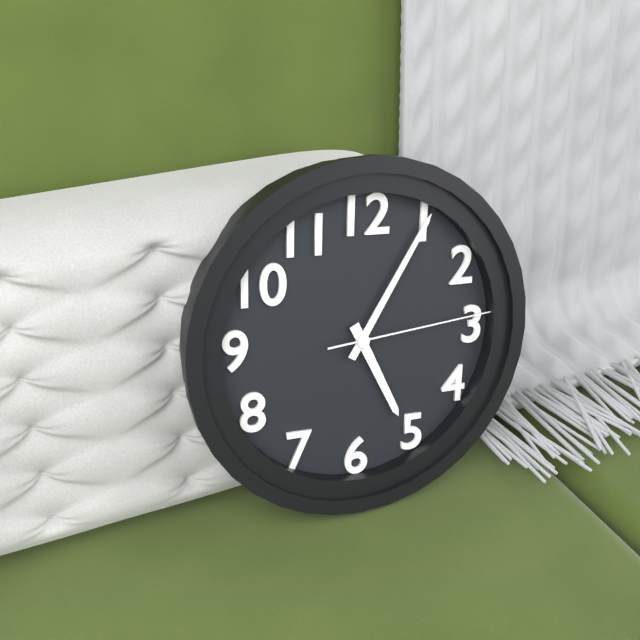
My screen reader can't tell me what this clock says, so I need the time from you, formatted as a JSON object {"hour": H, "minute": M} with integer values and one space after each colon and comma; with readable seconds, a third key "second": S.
{"hour": 5, "minute": 5, "second": 14}
